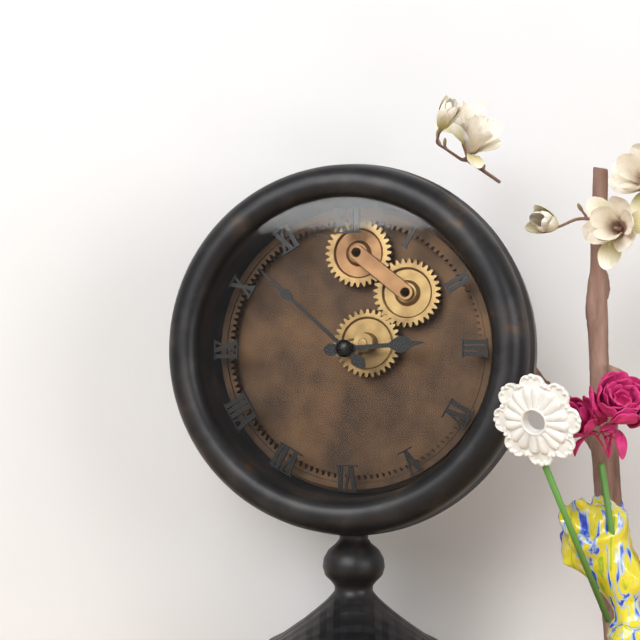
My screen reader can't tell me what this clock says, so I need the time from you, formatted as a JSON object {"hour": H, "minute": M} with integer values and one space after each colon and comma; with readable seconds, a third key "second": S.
{"hour": 2, "minute": 52}
